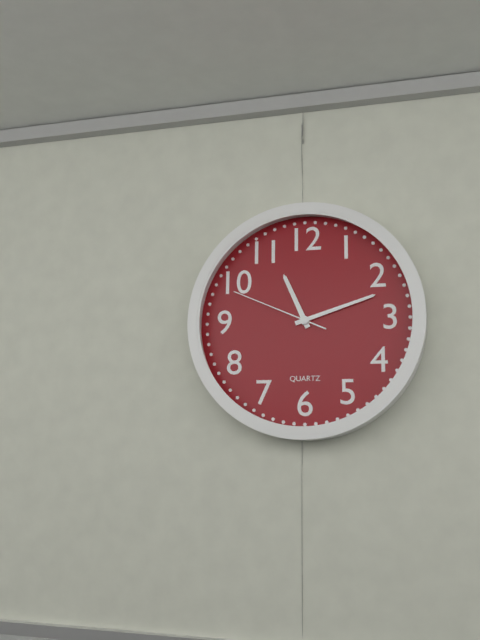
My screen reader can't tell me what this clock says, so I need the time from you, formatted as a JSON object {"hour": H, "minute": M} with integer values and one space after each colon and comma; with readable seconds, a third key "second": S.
{"hour": 11, "minute": 12, "second": 49}
